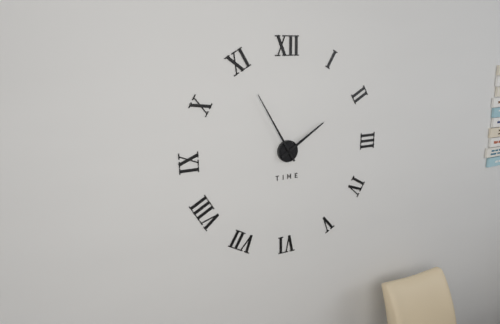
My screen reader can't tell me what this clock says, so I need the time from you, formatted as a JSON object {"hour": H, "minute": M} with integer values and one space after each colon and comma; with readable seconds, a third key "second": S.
{"hour": 1, "minute": 55}
